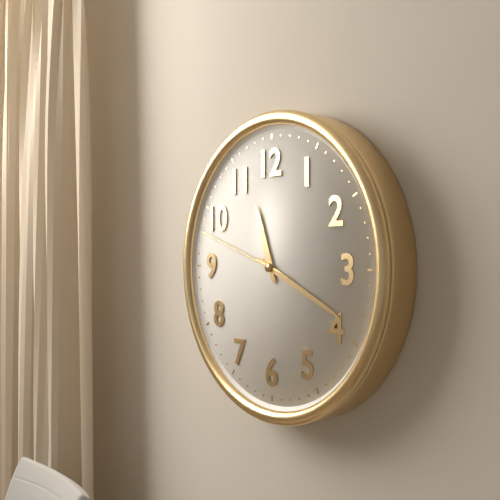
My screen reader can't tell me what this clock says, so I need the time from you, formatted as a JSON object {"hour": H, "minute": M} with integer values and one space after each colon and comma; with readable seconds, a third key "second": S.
{"hour": 11, "minute": 19, "second": 48}
